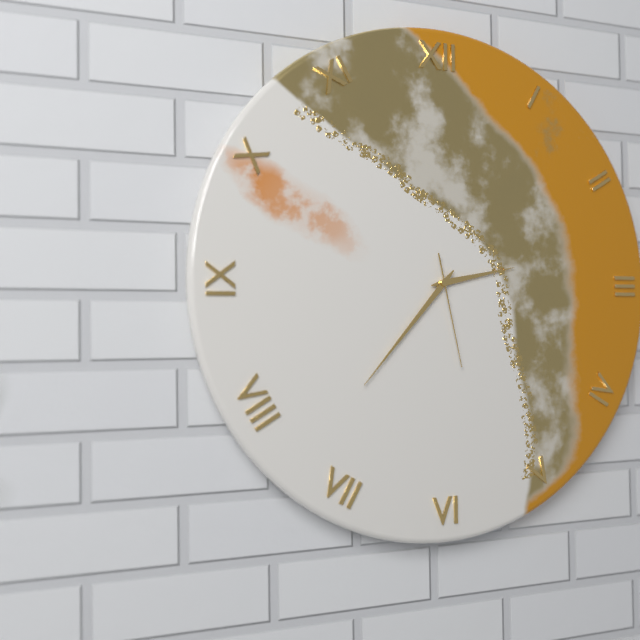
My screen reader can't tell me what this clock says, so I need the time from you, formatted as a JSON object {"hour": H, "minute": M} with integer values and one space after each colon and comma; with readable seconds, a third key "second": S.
{"hour": 2, "minute": 37, "second": 28}
